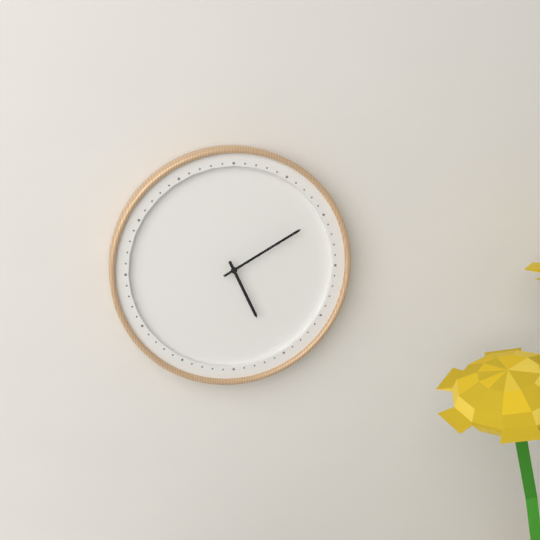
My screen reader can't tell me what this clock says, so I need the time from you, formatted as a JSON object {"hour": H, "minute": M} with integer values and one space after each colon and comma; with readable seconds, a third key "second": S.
{"hour": 5, "minute": 10}
